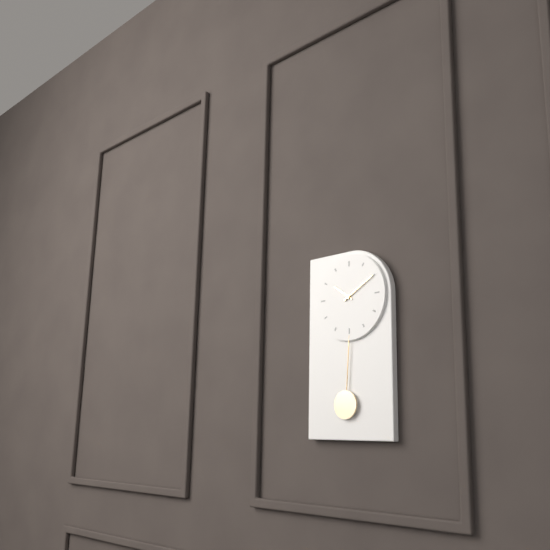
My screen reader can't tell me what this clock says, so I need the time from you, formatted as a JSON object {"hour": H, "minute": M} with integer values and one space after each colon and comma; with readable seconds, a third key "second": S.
{"hour": 10, "minute": 10}
